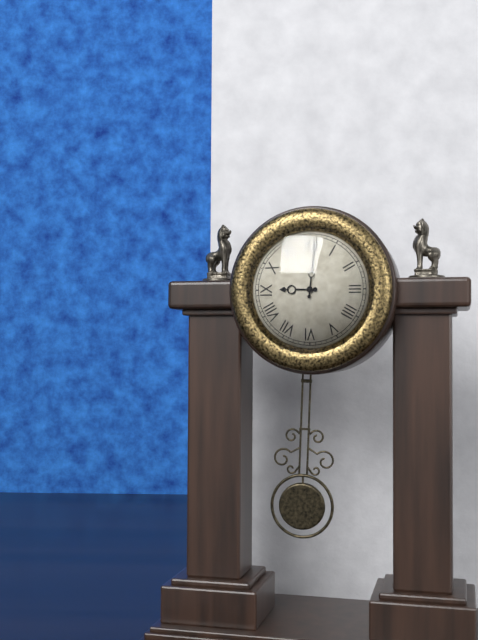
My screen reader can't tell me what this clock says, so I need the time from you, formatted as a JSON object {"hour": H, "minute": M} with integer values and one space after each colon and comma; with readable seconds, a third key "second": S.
{"hour": 9, "minute": 1}
